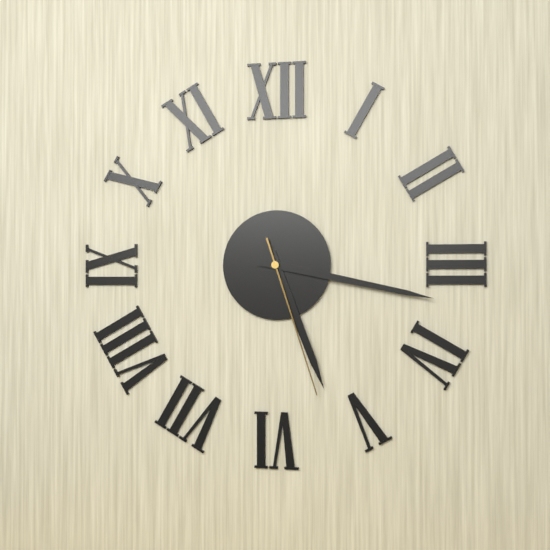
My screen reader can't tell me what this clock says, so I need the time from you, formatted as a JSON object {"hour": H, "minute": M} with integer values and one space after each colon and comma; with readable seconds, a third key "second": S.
{"hour": 5, "minute": 17, "second": 27}
